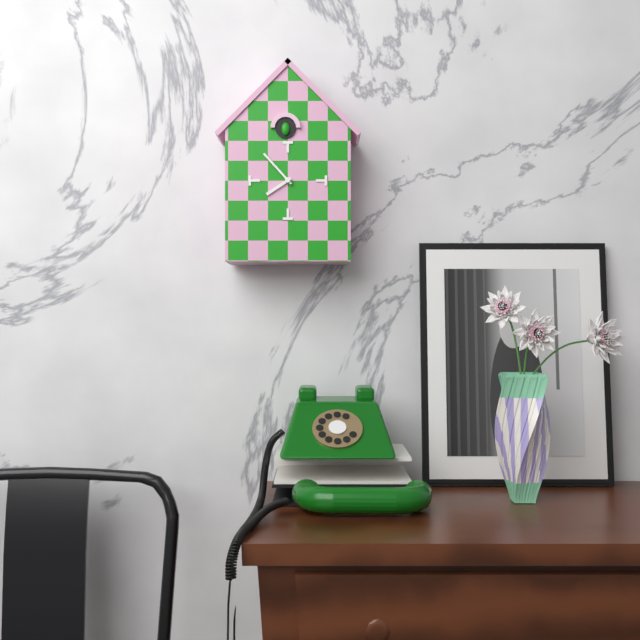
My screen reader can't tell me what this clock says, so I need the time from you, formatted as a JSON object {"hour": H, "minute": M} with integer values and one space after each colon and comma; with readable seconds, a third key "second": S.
{"hour": 7, "minute": 53}
